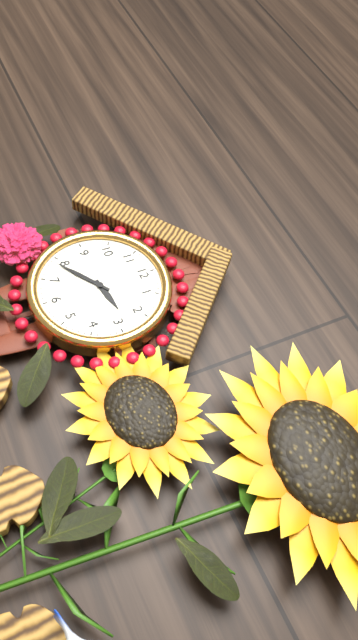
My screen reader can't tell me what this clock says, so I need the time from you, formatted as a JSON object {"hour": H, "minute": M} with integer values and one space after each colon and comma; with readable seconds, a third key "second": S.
{"hour": 2, "minute": 39}
